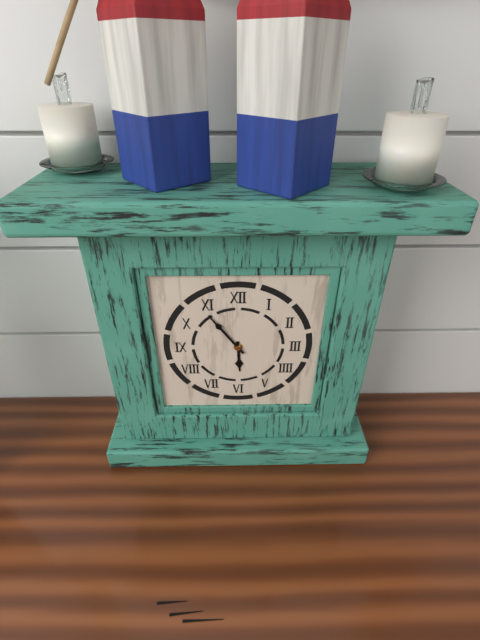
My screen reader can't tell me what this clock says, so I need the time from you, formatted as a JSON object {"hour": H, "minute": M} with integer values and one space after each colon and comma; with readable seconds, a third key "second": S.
{"hour": 5, "minute": 54}
